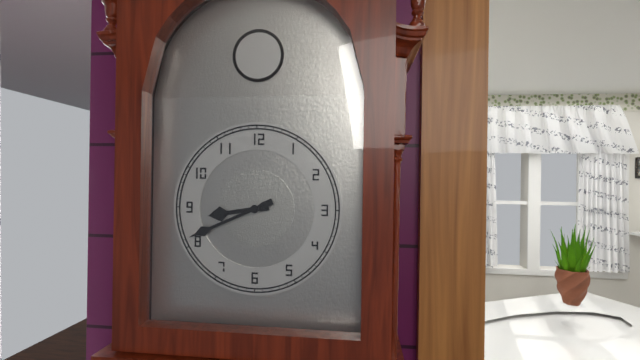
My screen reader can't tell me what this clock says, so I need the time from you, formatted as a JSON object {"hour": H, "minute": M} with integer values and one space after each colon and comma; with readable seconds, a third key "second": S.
{"hour": 8, "minute": 41}
